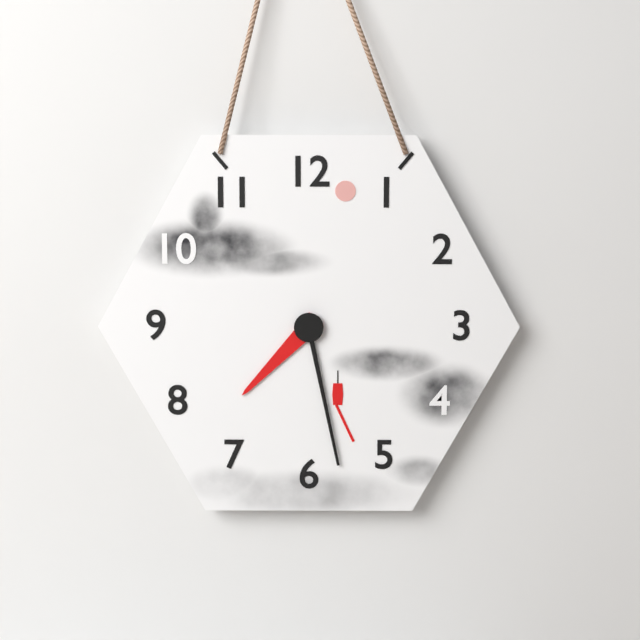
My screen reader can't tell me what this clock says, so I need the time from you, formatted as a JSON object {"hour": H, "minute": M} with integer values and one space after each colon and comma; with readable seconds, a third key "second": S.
{"hour": 7, "minute": 28}
